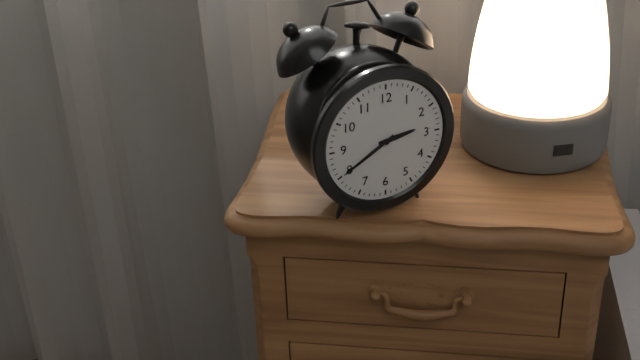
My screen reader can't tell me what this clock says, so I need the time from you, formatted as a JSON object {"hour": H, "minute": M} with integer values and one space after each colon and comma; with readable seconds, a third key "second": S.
{"hour": 2, "minute": 40}
